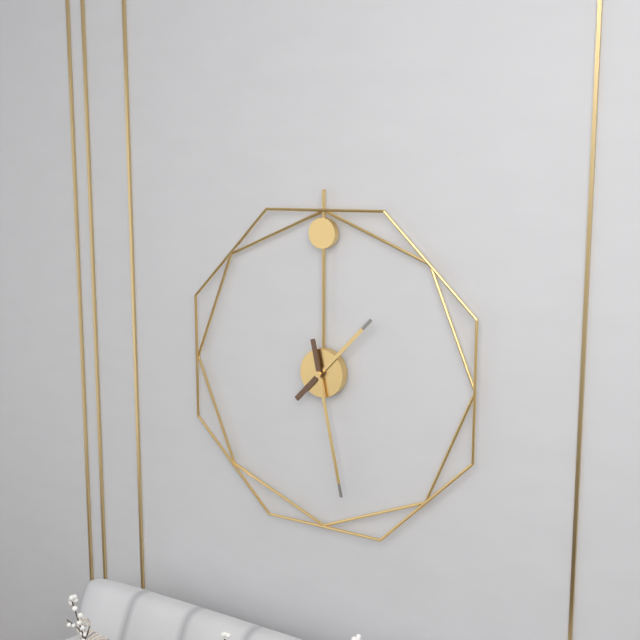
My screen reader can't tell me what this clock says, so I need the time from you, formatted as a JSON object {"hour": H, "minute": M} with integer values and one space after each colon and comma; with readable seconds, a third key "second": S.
{"hour": 1, "minute": 28}
